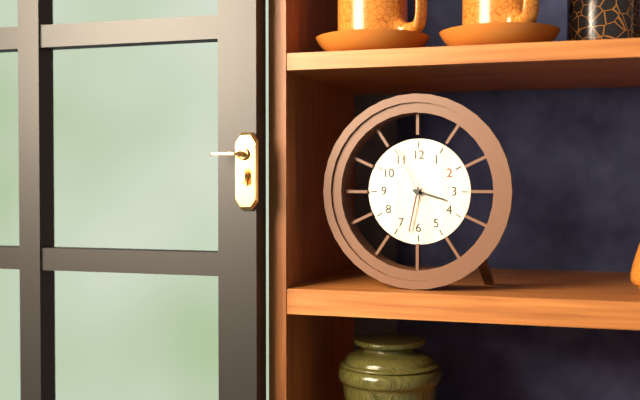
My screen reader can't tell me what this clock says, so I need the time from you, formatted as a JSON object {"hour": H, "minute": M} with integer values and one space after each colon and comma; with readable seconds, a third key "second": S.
{"hour": 3, "minute": 32, "second": 56}
